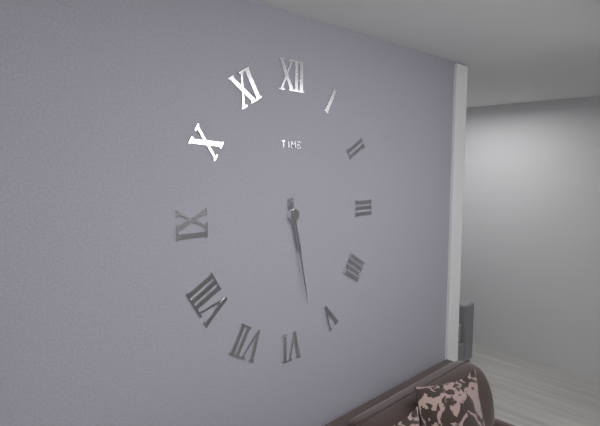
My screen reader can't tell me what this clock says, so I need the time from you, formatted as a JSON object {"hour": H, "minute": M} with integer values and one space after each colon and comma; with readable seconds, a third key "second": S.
{"hour": 5, "minute": 28}
